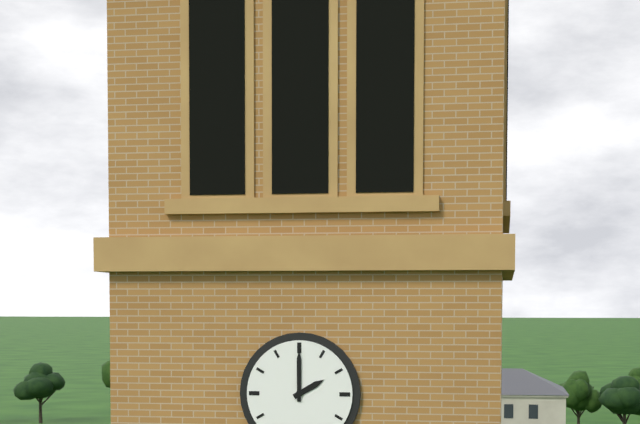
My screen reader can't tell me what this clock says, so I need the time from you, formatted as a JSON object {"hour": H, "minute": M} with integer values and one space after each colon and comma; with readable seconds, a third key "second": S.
{"hour": 2, "minute": 0}
